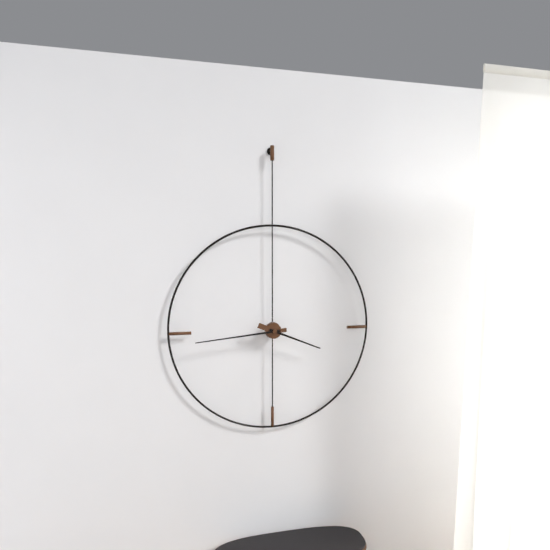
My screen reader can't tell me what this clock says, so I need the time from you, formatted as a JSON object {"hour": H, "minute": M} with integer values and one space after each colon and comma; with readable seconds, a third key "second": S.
{"hour": 3, "minute": 44}
